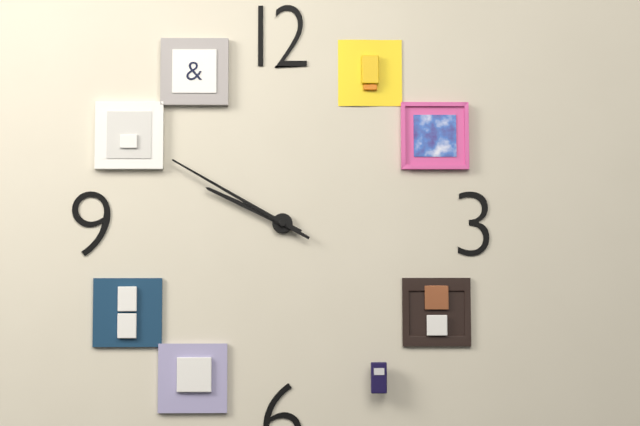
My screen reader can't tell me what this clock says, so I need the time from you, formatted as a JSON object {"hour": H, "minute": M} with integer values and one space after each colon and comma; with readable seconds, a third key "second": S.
{"hour": 9, "minute": 50}
